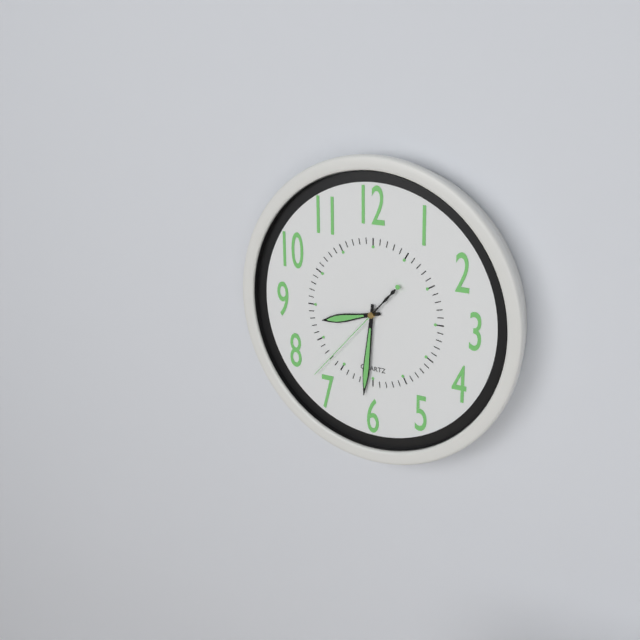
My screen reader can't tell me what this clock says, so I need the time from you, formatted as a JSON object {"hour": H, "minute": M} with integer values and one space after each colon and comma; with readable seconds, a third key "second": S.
{"hour": 8, "minute": 31, "second": 37}
